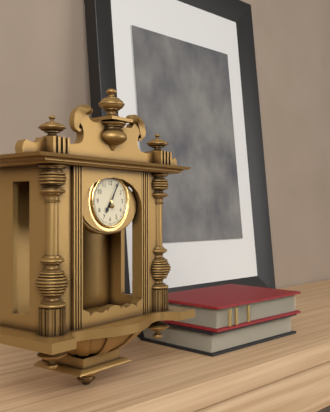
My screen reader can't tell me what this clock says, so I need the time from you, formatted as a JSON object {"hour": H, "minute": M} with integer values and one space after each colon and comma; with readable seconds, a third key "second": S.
{"hour": 7, "minute": 5}
